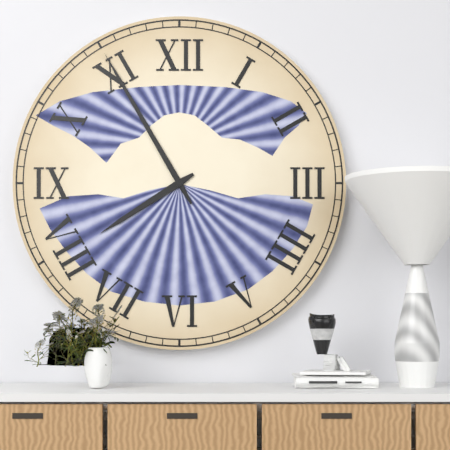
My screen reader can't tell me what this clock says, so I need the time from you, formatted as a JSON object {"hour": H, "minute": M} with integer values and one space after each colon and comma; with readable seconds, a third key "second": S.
{"hour": 7, "minute": 55}
